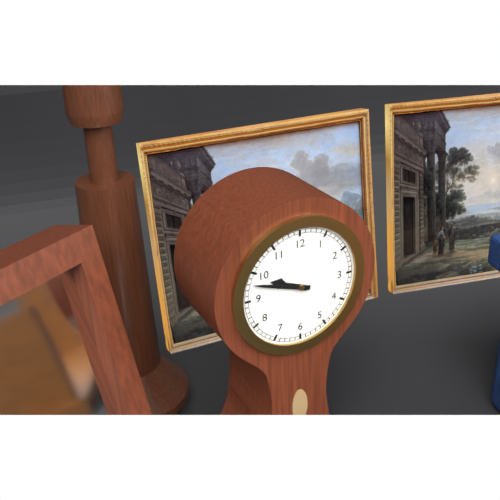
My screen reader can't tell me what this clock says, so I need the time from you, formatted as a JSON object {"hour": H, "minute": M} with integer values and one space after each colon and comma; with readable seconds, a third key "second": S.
{"hour": 9, "minute": 48}
